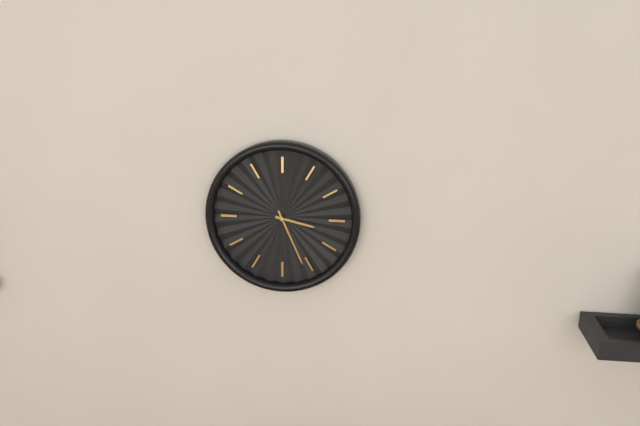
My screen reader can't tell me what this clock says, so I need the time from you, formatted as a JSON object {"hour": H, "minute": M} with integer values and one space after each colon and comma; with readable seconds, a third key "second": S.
{"hour": 3, "minute": 26}
